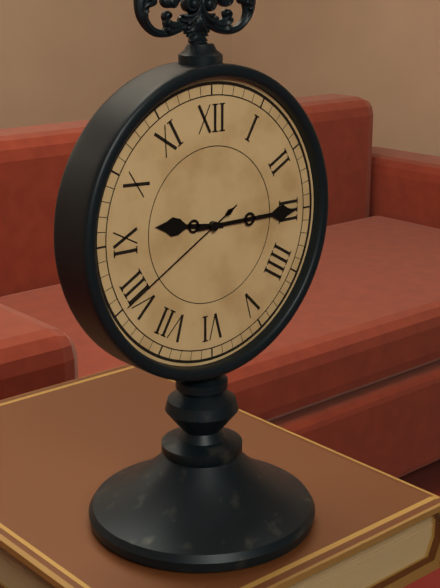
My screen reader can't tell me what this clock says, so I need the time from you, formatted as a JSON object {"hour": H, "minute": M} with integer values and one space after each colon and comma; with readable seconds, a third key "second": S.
{"hour": 9, "minute": 15, "second": 40}
